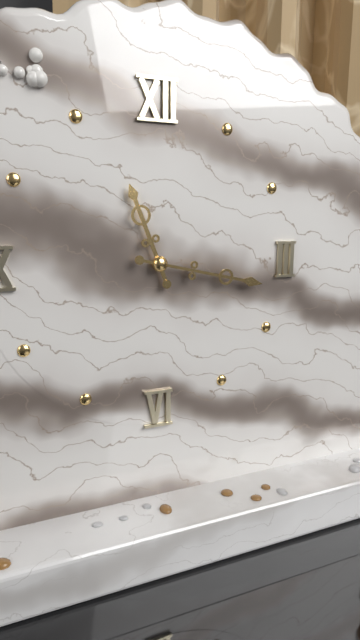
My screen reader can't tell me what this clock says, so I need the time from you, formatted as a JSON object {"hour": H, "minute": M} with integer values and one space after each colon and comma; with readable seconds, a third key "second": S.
{"hour": 11, "minute": 17}
